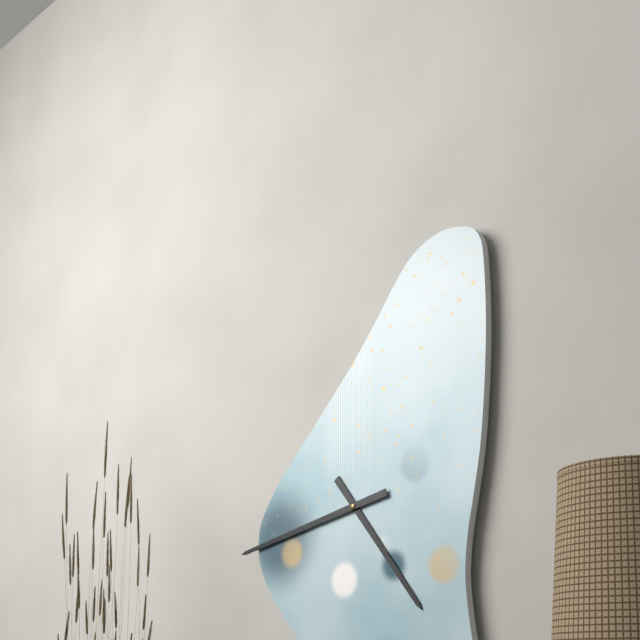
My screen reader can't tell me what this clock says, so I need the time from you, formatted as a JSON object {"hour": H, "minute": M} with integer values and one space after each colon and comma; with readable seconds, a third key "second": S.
{"hour": 4, "minute": 43}
